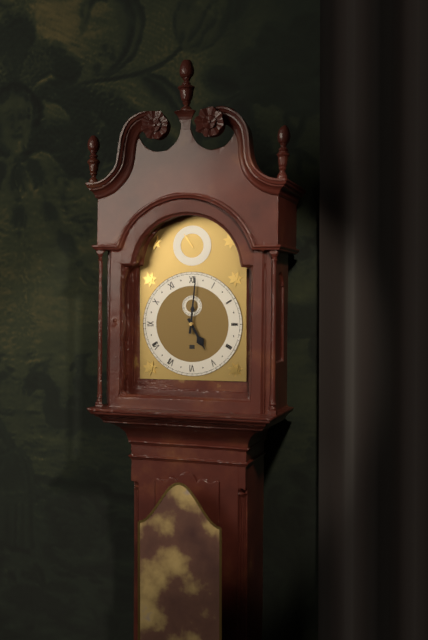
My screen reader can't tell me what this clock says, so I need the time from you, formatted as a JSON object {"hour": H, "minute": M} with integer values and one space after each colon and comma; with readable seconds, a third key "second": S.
{"hour": 5, "minute": 1}
